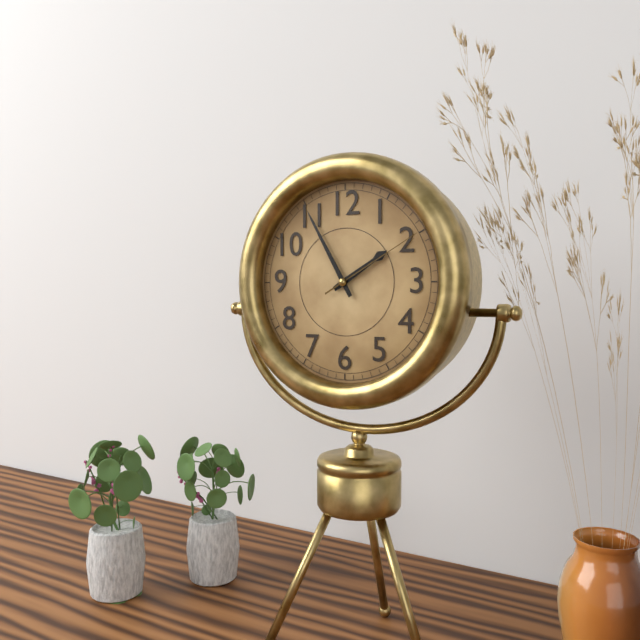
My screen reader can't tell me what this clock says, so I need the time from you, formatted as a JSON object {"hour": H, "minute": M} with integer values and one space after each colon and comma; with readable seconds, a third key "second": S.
{"hour": 1, "minute": 55, "second": 10}
